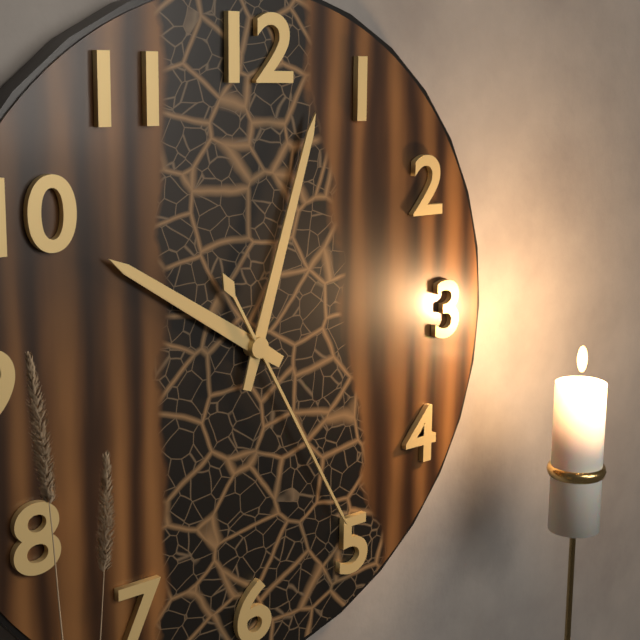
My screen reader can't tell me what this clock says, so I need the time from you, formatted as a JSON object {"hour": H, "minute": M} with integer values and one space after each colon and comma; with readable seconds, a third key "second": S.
{"hour": 10, "minute": 3, "second": 25}
